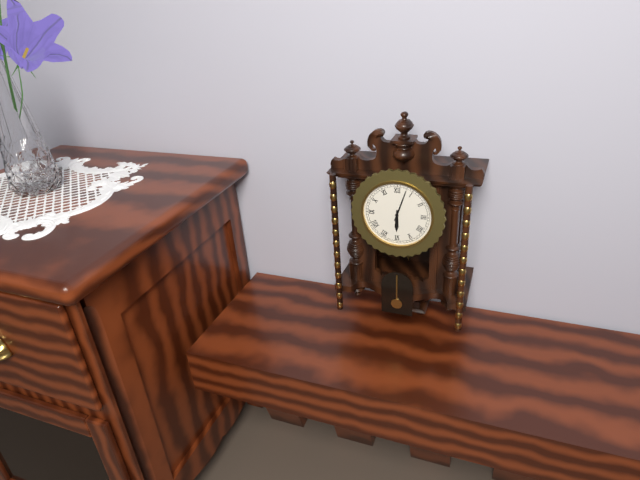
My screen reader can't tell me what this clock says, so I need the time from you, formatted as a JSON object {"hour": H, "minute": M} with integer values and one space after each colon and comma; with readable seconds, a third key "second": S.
{"hour": 6, "minute": 3}
